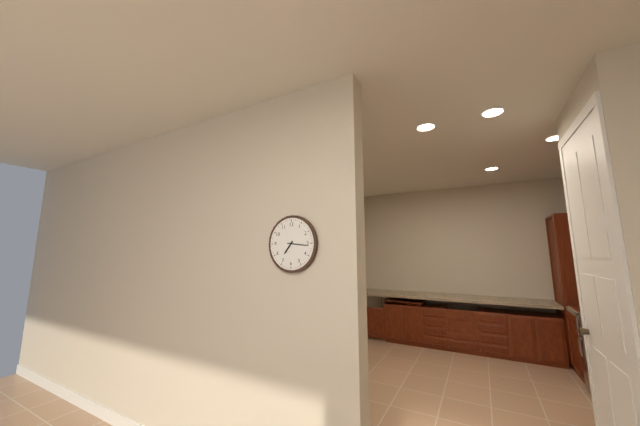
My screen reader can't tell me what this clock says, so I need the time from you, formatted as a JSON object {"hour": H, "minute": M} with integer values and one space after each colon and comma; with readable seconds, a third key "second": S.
{"hour": 7, "minute": 16}
